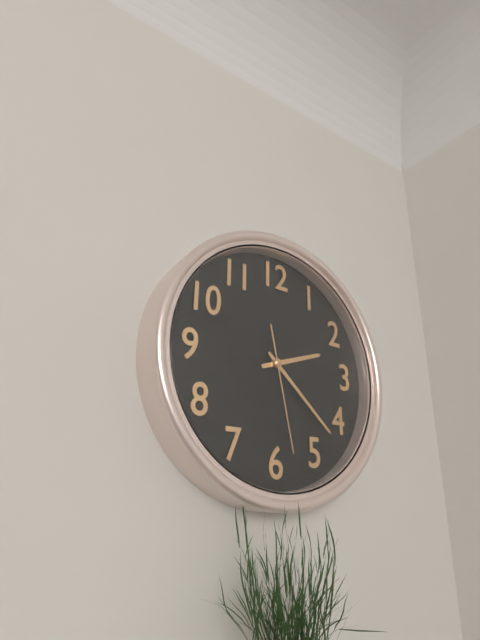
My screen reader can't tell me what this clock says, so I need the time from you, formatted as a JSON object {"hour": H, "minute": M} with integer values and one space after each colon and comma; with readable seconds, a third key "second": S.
{"hour": 2, "minute": 22, "second": 28}
